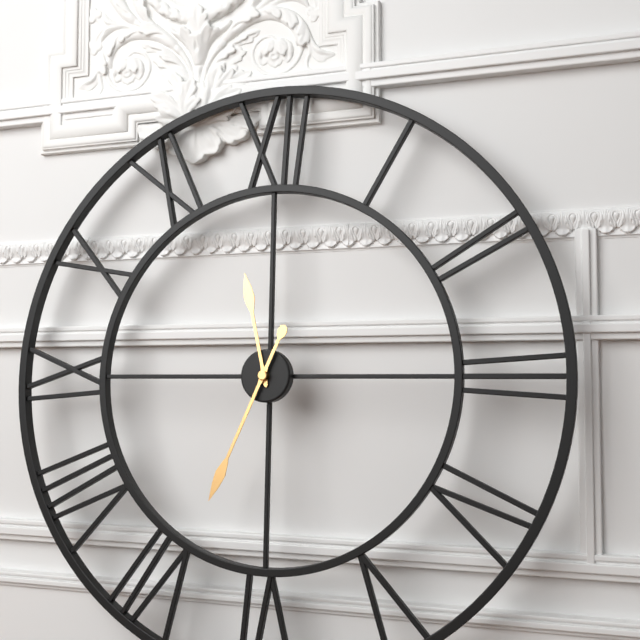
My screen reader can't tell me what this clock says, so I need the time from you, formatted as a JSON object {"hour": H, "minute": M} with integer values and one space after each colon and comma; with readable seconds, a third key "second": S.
{"hour": 11, "minute": 34}
